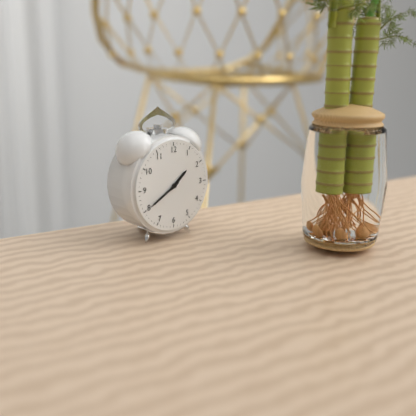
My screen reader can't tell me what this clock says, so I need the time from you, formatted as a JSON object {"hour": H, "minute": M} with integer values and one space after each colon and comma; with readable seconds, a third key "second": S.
{"hour": 1, "minute": 40}
